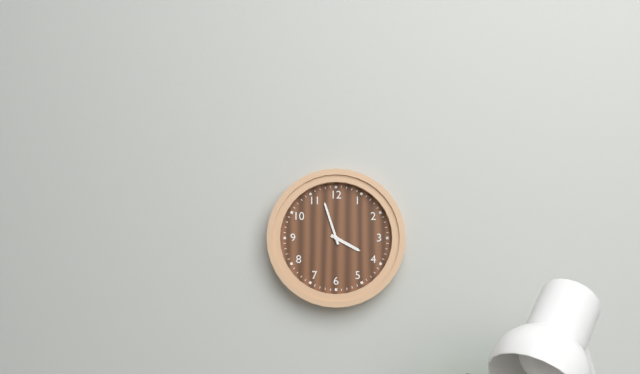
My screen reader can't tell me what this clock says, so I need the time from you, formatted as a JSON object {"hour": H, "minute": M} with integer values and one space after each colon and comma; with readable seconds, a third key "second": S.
{"hour": 3, "minute": 57}
